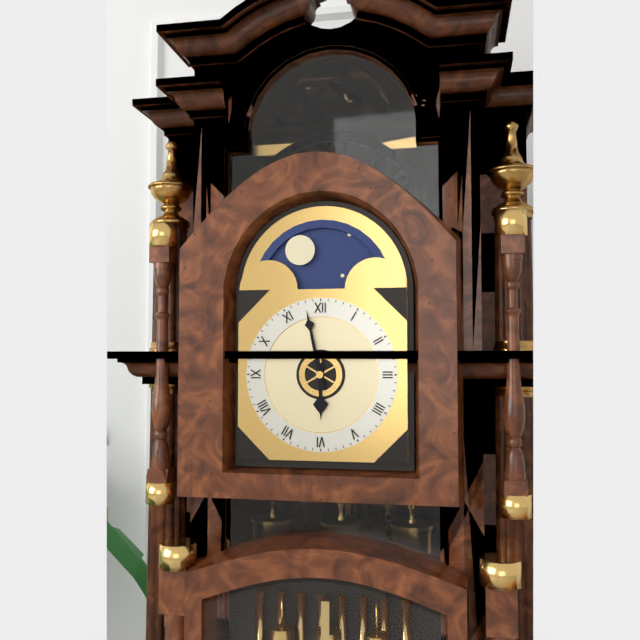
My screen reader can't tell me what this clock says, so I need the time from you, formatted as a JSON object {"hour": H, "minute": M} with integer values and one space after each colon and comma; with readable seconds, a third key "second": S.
{"hour": 5, "minute": 58}
